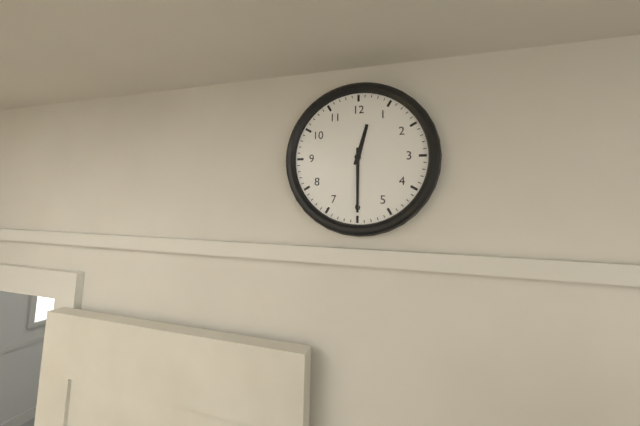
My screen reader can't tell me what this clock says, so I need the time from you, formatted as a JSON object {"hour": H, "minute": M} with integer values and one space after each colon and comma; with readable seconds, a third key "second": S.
{"hour": 12, "minute": 30}
